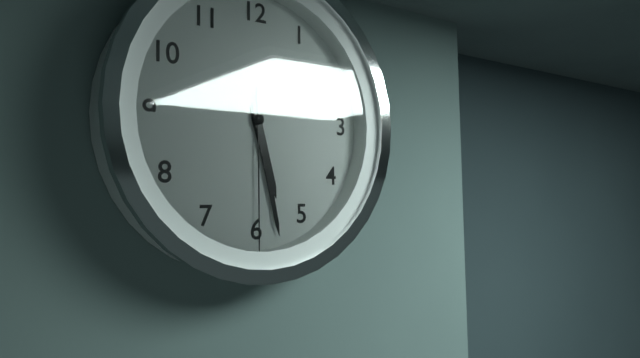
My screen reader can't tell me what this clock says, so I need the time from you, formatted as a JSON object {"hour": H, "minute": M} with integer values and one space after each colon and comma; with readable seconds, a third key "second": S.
{"hour": 5, "minute": 28, "second": 30}
